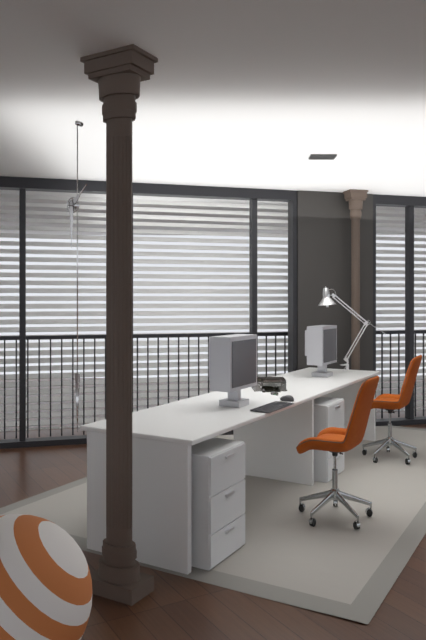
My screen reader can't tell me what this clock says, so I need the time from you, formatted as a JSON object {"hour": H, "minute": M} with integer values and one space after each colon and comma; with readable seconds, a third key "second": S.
{"hour": 1, "minute": 30}
